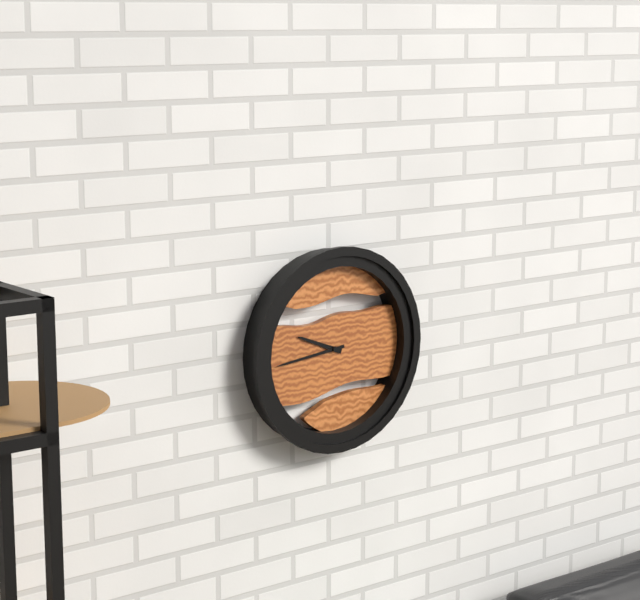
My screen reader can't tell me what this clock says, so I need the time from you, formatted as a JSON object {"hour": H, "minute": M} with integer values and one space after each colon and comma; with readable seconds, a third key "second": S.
{"hour": 9, "minute": 44}
